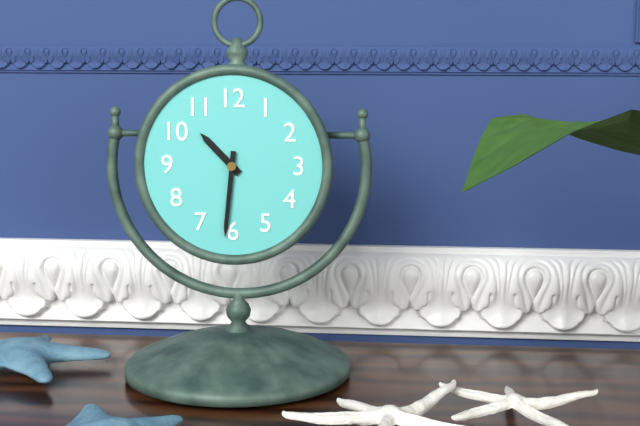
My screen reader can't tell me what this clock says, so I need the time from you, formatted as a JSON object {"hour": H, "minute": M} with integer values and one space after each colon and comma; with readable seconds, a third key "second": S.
{"hour": 10, "minute": 31}
